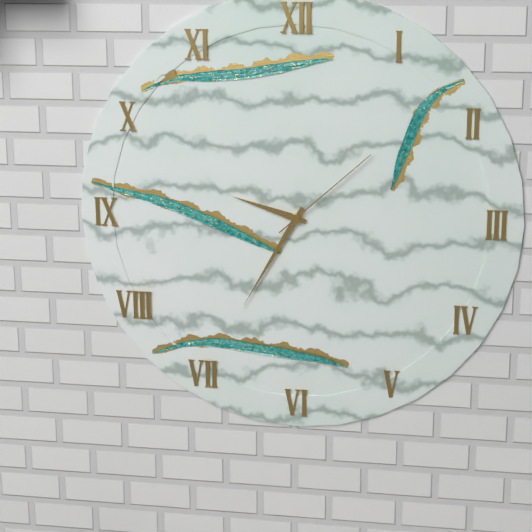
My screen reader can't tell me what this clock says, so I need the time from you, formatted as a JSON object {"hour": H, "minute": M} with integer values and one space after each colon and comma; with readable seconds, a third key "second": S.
{"hour": 9, "minute": 35, "second": 8}
